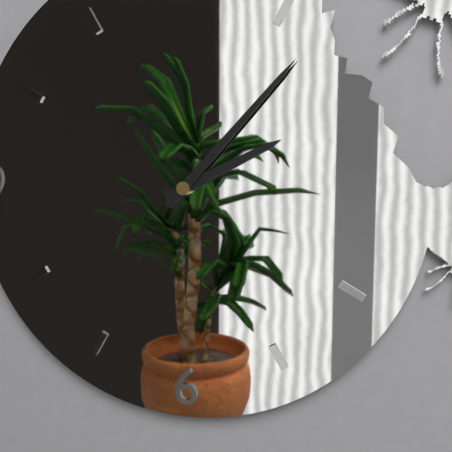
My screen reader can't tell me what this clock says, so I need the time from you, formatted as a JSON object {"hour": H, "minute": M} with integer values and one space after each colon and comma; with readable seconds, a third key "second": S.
{"hour": 2, "minute": 7}
